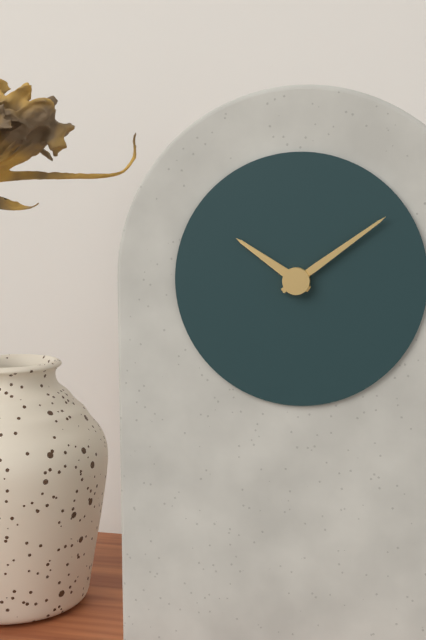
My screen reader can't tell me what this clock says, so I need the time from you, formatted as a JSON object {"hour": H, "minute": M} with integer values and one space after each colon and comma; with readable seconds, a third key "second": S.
{"hour": 10, "minute": 9}
